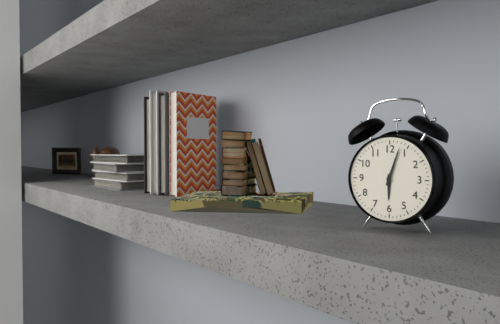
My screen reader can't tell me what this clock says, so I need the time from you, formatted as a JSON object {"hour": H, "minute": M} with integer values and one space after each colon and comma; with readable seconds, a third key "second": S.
{"hour": 6, "minute": 3}
